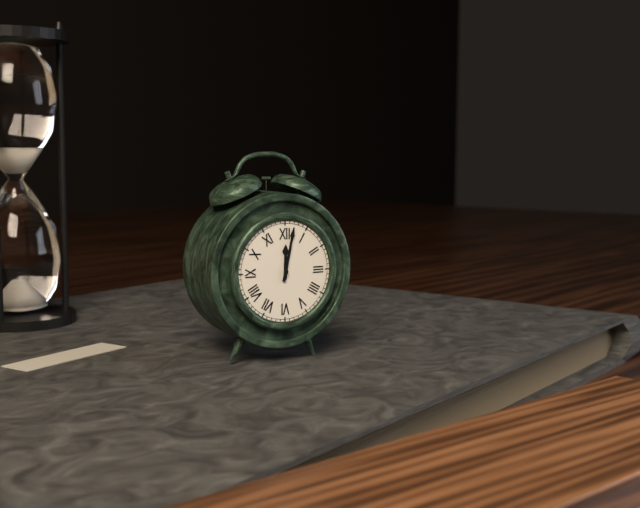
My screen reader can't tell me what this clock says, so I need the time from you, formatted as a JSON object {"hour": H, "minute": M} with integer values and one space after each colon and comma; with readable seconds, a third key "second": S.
{"hour": 12, "minute": 2}
